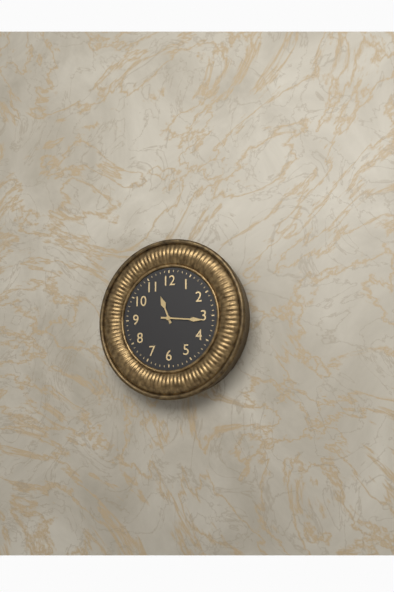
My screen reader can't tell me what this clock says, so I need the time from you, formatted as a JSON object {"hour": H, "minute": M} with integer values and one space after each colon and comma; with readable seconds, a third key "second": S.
{"hour": 11, "minute": 16}
